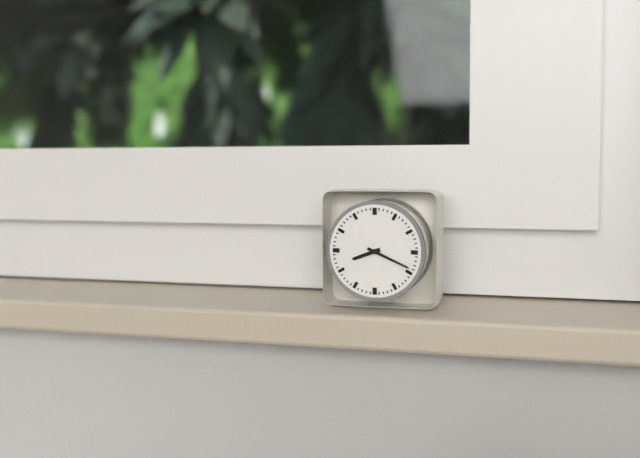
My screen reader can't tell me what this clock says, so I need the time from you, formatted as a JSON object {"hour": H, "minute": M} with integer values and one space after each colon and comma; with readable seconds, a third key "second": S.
{"hour": 8, "minute": 19}
